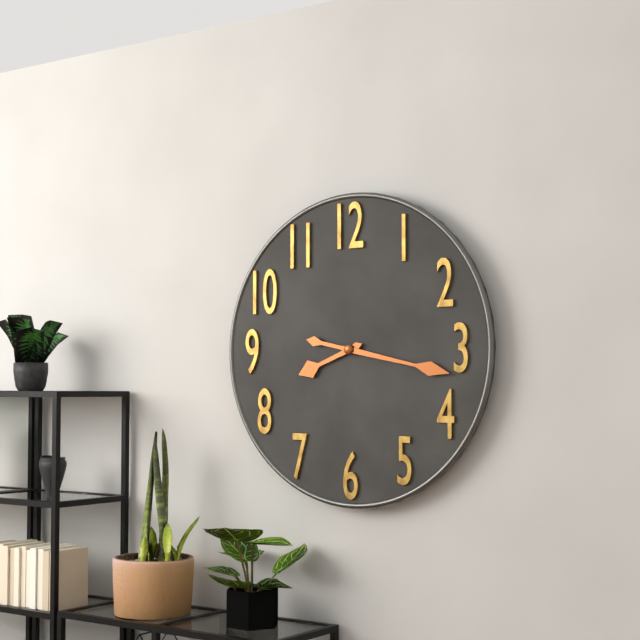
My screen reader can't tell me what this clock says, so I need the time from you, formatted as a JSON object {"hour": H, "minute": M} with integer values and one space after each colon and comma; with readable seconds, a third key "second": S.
{"hour": 8, "minute": 17}
